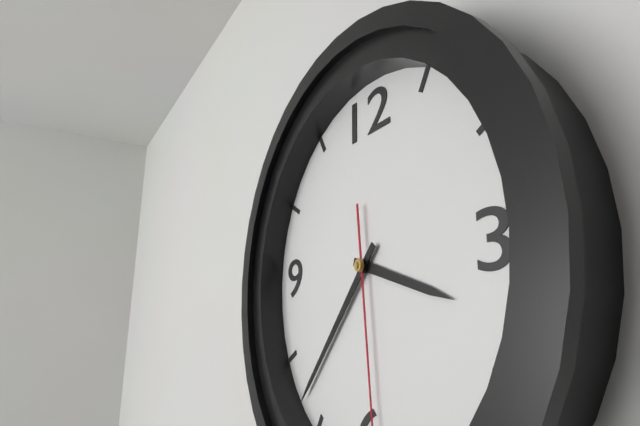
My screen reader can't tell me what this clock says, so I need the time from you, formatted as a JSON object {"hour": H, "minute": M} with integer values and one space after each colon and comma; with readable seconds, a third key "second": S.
{"hour": 3, "minute": 37}
